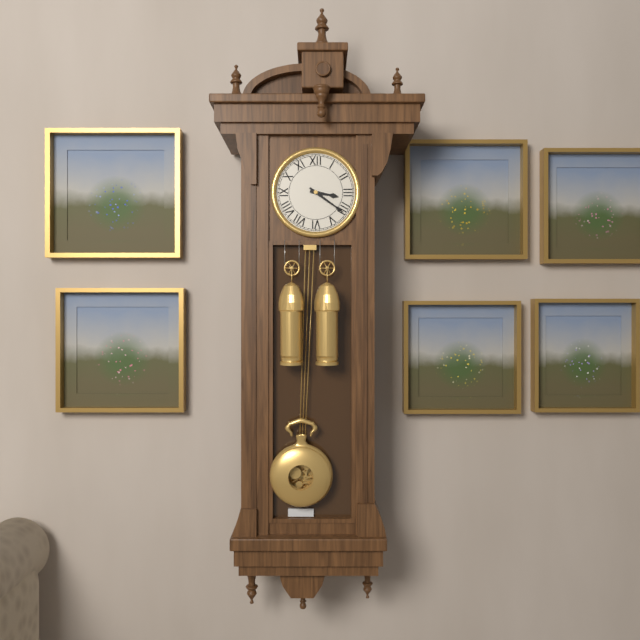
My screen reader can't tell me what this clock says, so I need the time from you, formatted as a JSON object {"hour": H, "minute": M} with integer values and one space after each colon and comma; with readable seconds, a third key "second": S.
{"hour": 3, "minute": 21}
